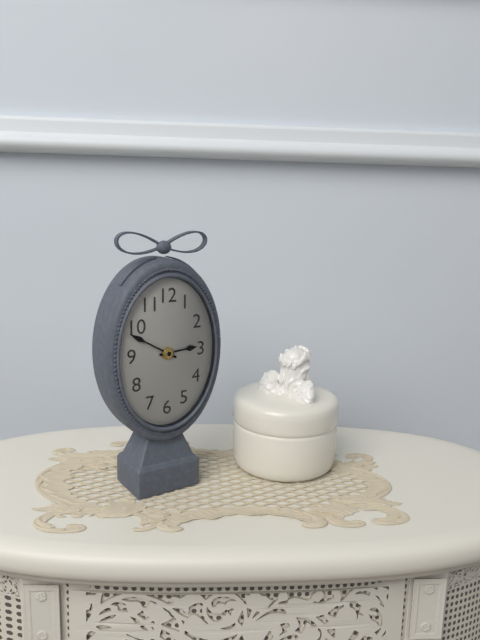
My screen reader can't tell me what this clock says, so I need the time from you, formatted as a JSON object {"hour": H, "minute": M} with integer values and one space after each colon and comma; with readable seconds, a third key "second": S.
{"hour": 2, "minute": 50}
